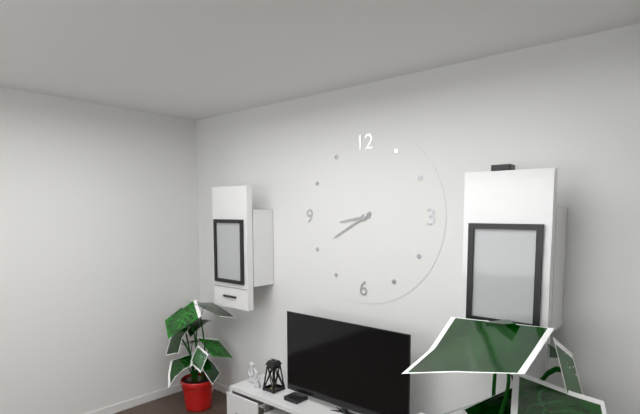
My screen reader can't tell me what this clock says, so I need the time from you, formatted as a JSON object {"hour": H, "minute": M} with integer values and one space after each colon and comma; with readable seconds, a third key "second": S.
{"hour": 8, "minute": 40}
